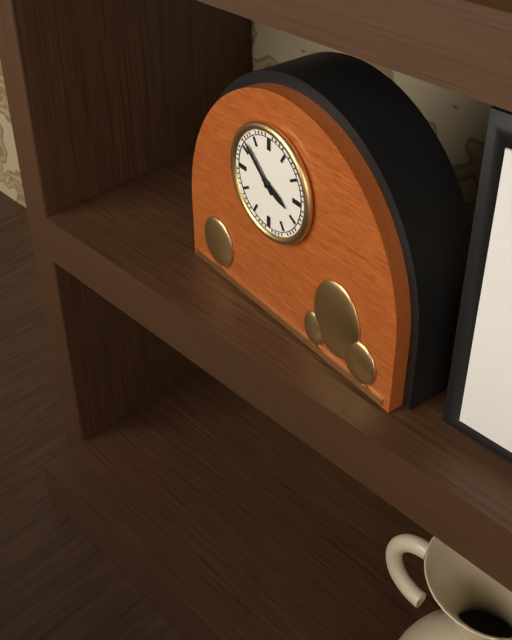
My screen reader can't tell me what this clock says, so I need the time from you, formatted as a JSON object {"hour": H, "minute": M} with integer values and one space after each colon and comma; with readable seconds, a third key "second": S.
{"hour": 3, "minute": 52}
